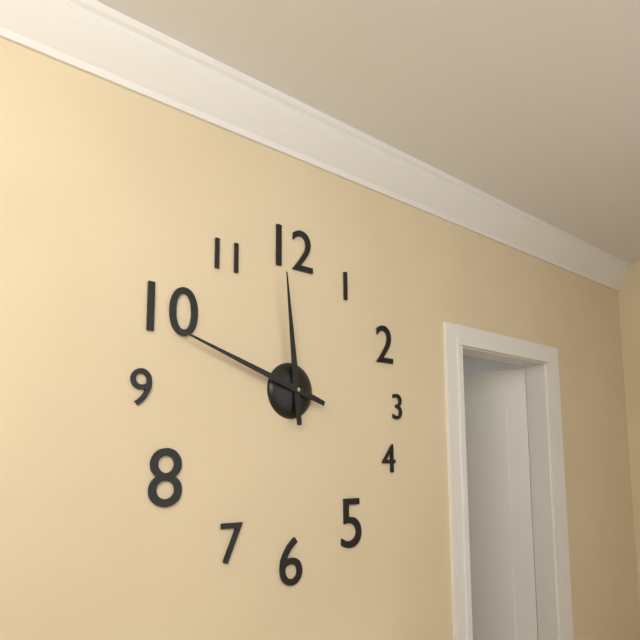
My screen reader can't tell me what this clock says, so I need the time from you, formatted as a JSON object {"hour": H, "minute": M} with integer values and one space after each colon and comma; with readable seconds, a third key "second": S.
{"hour": 11, "minute": 48}
